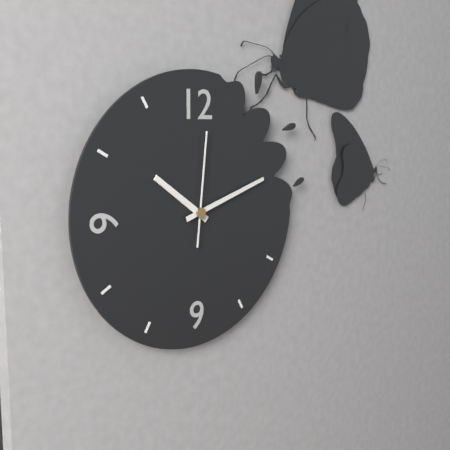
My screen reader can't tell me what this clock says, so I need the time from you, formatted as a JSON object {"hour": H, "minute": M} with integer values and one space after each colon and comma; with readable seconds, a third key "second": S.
{"hour": 10, "minute": 12, "second": 1}
